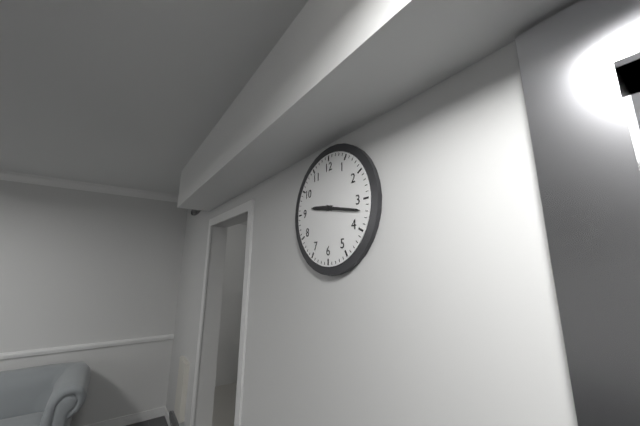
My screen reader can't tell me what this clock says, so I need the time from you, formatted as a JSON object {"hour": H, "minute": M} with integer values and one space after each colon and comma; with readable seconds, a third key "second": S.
{"hour": 9, "minute": 17}
